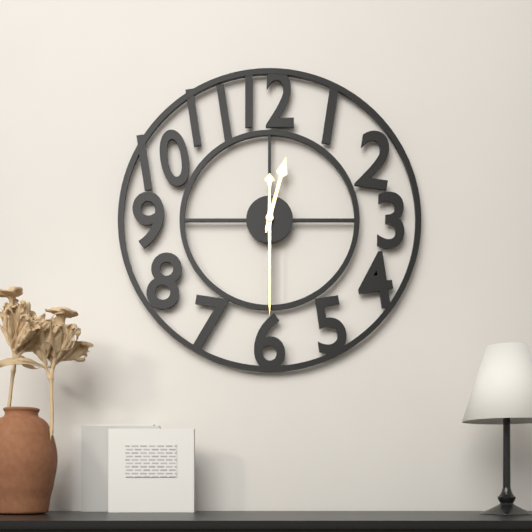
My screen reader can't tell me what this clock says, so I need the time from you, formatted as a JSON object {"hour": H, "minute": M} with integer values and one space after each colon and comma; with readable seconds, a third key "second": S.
{"hour": 12, "minute": 30}
